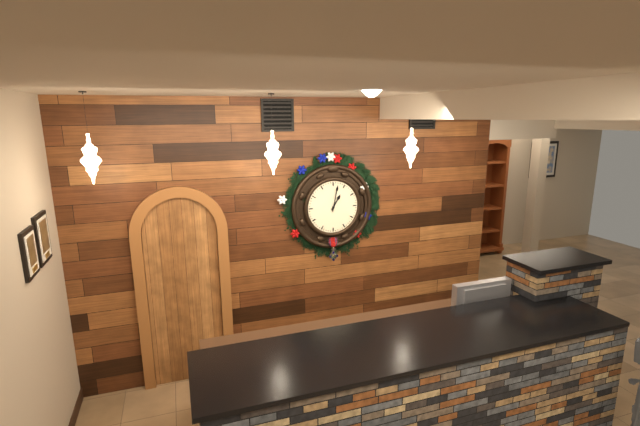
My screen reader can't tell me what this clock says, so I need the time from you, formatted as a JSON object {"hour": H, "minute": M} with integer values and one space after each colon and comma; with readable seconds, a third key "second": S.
{"hour": 1, "minute": 2}
